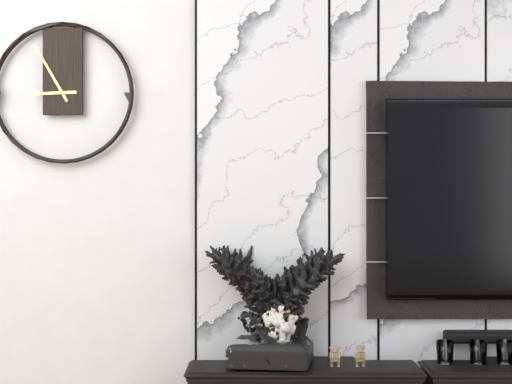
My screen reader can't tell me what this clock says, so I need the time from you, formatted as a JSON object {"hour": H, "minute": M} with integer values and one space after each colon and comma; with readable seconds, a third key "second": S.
{"hour": 8, "minute": 55}
